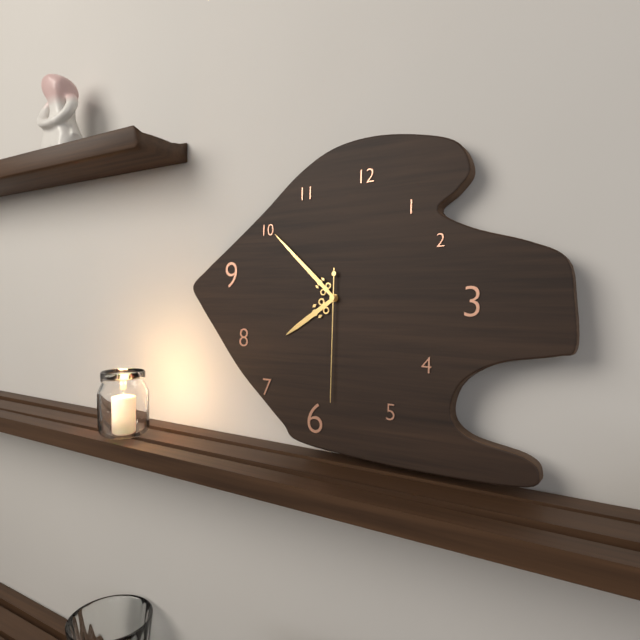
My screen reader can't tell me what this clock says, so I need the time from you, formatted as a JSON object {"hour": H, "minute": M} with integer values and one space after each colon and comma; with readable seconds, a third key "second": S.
{"hour": 7, "minute": 52, "second": 30}
